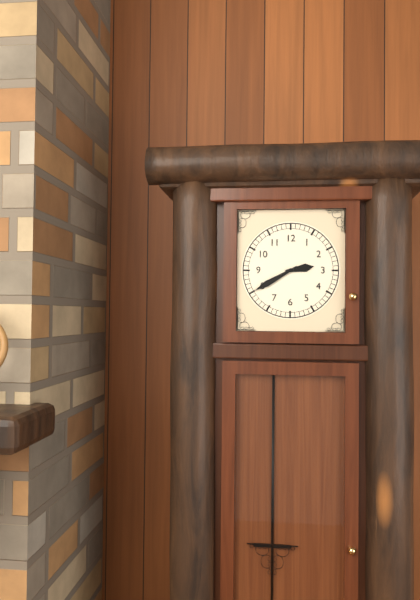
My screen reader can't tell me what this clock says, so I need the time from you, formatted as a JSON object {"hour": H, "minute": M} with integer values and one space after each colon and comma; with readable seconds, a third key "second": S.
{"hour": 2, "minute": 40}
